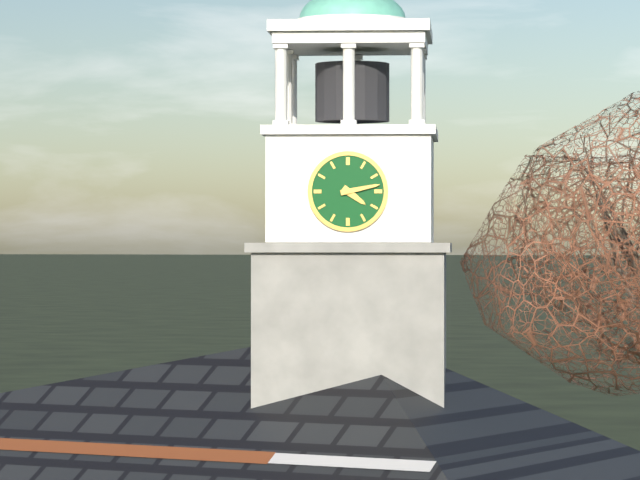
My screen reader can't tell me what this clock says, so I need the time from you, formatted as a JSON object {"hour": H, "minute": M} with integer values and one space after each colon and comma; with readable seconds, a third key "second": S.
{"hour": 4, "minute": 13}
